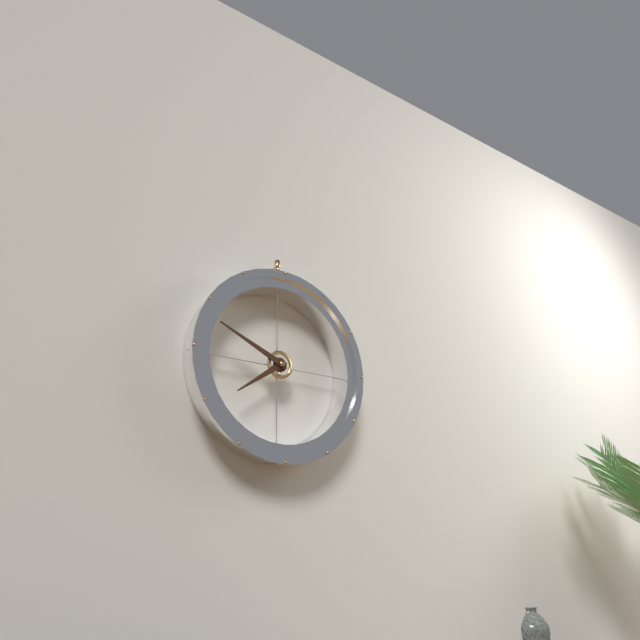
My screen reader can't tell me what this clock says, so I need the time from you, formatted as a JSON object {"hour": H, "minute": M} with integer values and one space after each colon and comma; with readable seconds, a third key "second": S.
{"hour": 7, "minute": 49}
